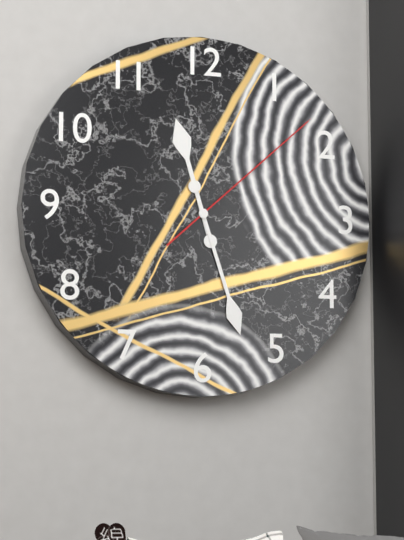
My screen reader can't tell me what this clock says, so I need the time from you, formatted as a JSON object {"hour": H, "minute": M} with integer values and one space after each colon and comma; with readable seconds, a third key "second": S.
{"hour": 11, "minute": 27, "second": 8}
